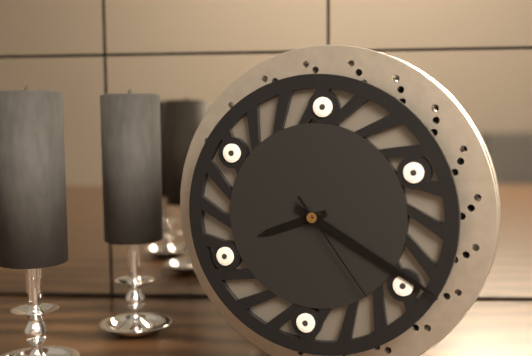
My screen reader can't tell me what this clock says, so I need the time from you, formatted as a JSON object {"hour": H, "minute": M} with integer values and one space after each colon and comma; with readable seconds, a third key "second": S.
{"hour": 8, "minute": 20, "second": 24}
